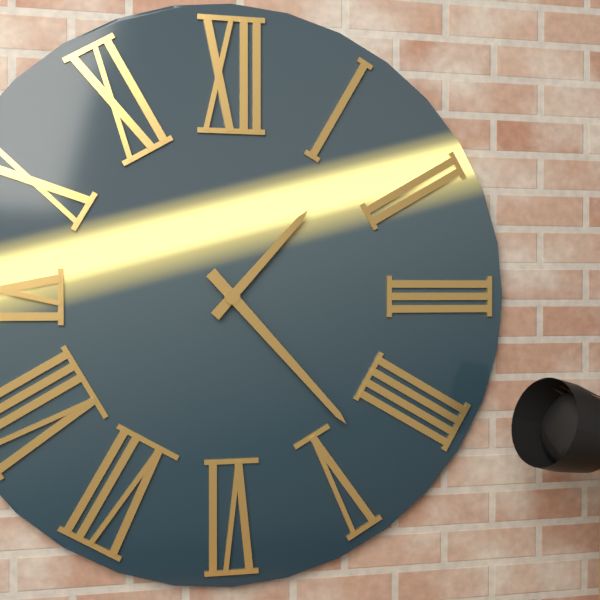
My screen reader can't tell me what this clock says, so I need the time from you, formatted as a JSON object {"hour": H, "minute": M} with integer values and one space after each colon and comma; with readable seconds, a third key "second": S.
{"hour": 1, "minute": 23}
